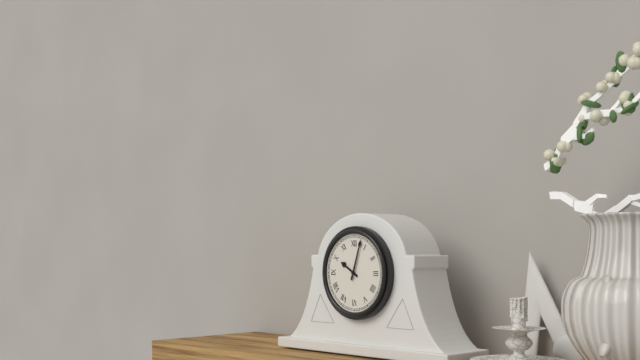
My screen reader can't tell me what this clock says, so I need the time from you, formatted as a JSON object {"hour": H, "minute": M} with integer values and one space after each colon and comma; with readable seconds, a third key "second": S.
{"hour": 10, "minute": 3}
